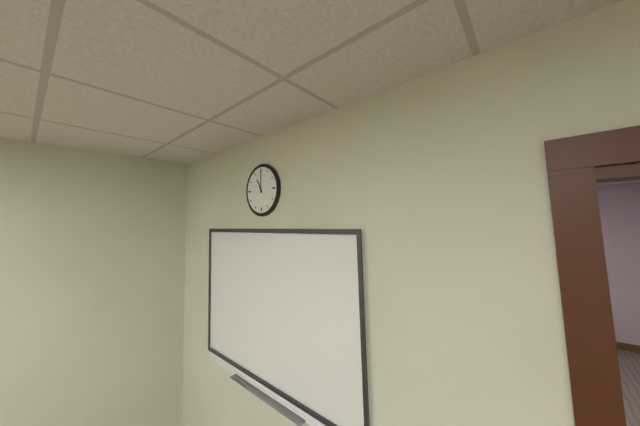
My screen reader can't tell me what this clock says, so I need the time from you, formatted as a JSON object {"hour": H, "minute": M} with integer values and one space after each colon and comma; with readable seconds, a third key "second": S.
{"hour": 11, "minute": 0}
